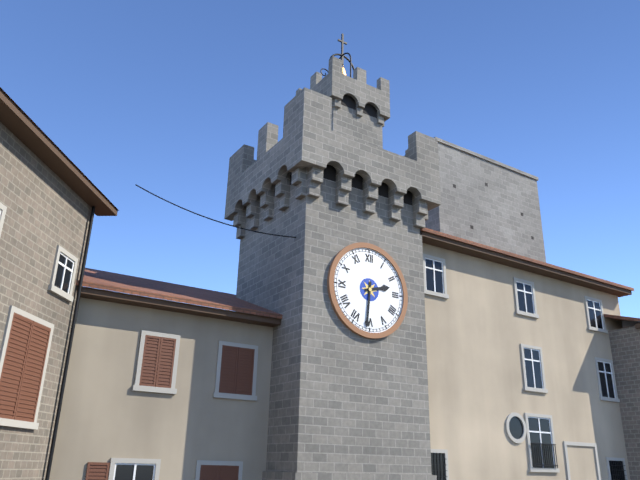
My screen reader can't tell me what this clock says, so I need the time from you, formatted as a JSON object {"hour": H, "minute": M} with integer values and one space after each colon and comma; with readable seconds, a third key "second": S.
{"hour": 2, "minute": 31}
